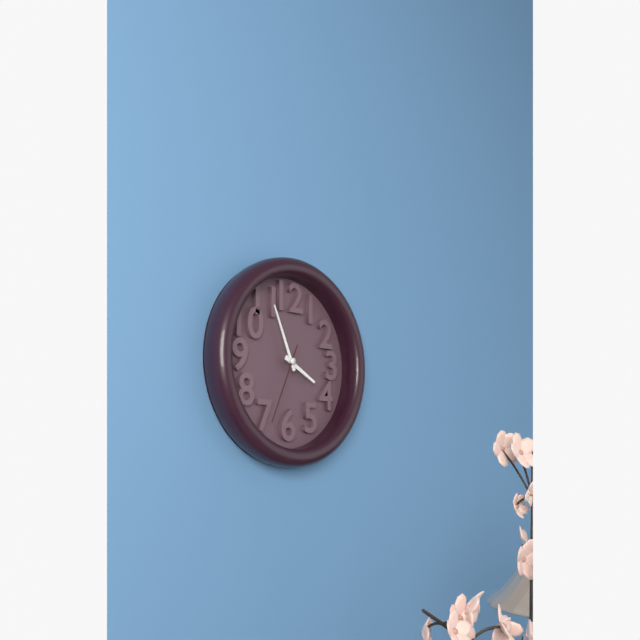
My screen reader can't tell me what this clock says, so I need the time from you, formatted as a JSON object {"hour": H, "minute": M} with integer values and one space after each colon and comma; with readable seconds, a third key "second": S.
{"hour": 3, "minute": 56, "second": 34}
